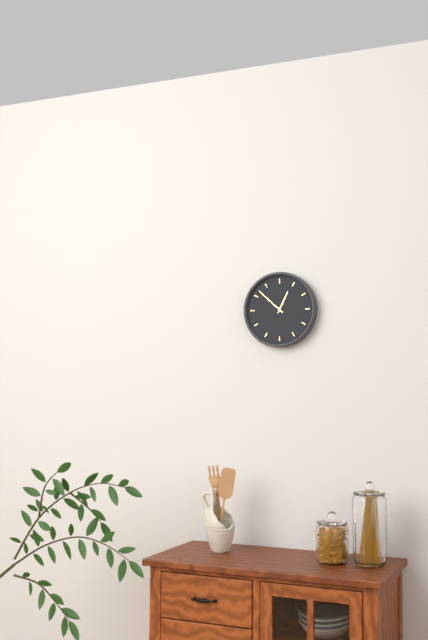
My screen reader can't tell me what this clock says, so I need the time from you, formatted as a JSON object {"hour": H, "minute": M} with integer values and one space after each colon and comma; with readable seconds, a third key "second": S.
{"hour": 12, "minute": 52}
